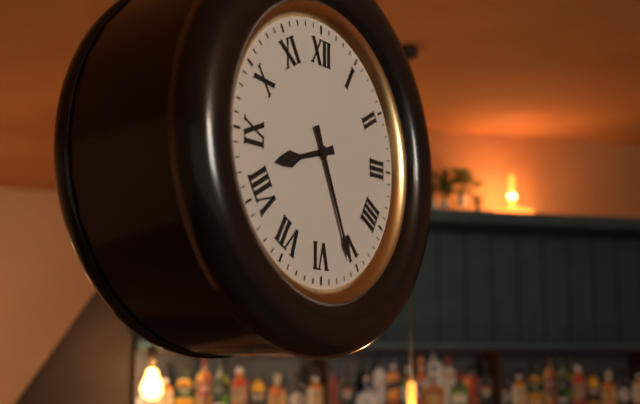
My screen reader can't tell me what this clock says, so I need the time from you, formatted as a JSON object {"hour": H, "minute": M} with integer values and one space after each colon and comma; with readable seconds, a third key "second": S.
{"hour": 8, "minute": 26}
